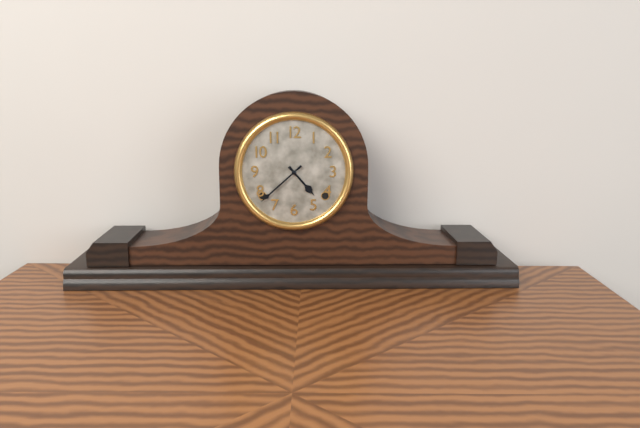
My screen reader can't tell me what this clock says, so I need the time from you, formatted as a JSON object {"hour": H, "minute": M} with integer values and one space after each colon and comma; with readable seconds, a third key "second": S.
{"hour": 4, "minute": 38}
